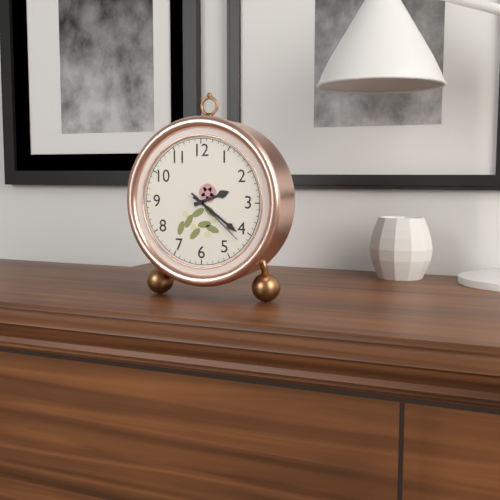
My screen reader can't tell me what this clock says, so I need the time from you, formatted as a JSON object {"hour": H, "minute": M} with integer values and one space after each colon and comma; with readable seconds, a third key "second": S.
{"hour": 2, "minute": 21, "second": 22}
